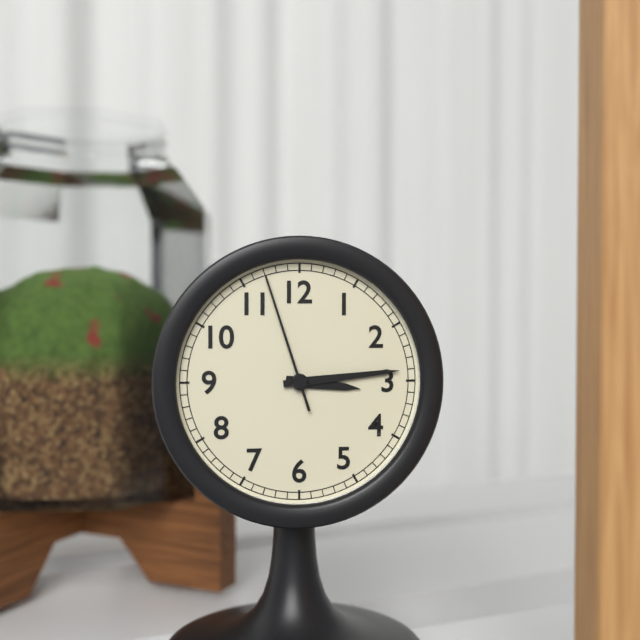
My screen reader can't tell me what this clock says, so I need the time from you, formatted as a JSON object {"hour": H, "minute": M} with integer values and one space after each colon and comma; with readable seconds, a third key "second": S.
{"hour": 3, "minute": 14, "second": 57}
